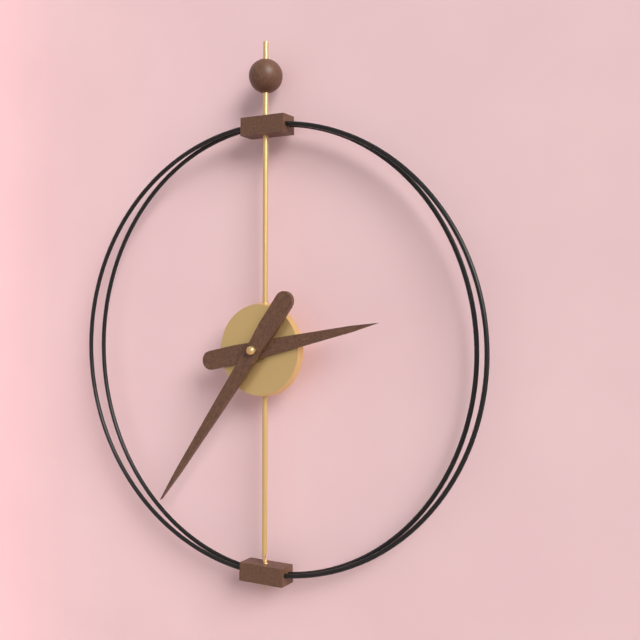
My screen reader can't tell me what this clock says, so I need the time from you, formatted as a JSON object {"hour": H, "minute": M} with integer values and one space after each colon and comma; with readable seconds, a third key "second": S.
{"hour": 2, "minute": 36}
